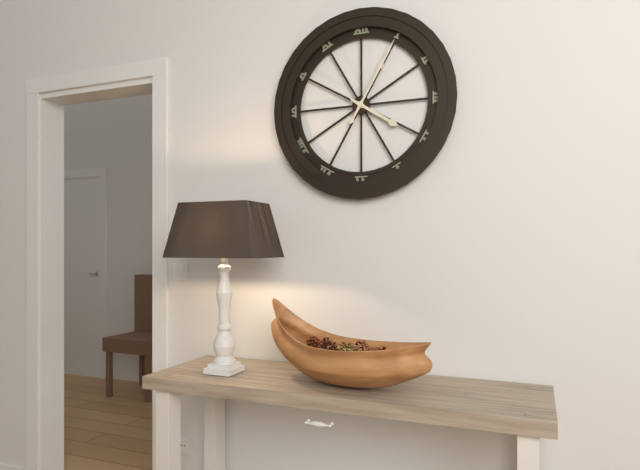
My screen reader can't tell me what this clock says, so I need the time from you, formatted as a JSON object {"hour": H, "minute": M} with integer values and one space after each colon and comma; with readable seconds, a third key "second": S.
{"hour": 4, "minute": 5}
